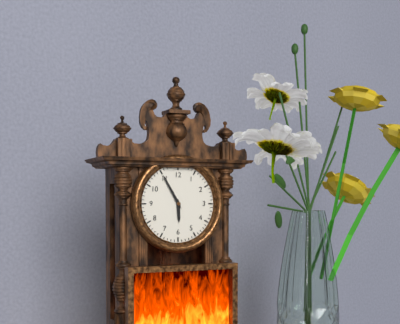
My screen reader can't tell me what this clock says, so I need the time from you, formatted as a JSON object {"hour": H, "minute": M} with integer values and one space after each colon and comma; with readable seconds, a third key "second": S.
{"hour": 5, "minute": 55}
